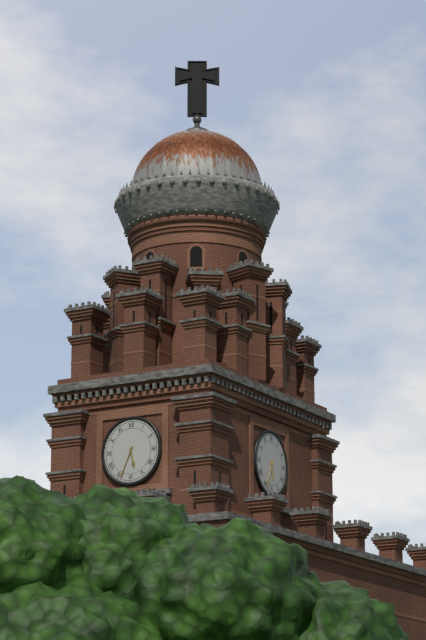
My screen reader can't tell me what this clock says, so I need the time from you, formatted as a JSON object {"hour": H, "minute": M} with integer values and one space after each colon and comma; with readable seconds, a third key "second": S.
{"hour": 5, "minute": 34}
